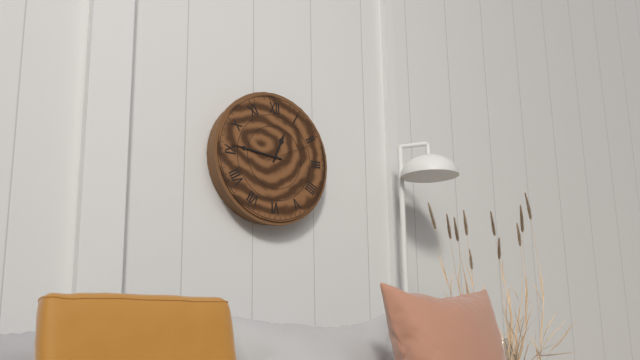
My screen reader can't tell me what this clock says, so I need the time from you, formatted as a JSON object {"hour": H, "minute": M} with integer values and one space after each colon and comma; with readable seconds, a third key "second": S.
{"hour": 12, "minute": 46}
